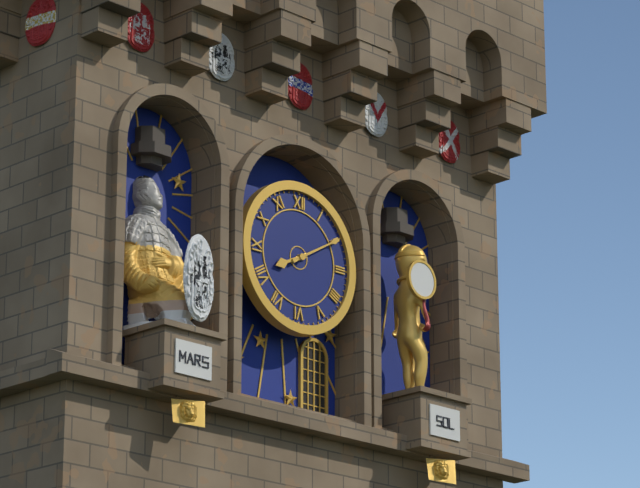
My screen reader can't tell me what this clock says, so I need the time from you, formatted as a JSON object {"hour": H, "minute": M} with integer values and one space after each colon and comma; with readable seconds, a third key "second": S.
{"hour": 8, "minute": 10}
